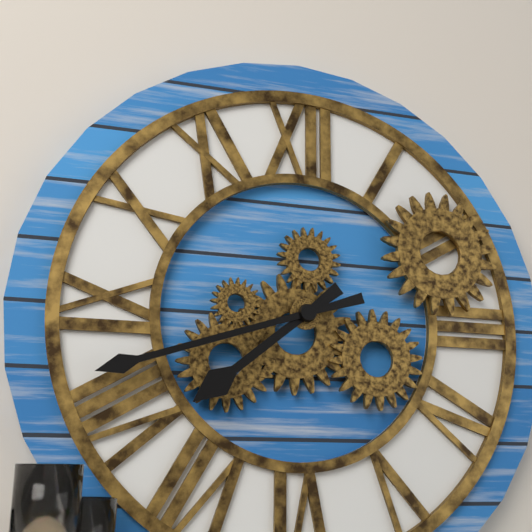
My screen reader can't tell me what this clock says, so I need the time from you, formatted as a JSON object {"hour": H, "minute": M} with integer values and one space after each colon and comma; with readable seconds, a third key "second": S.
{"hour": 7, "minute": 42}
